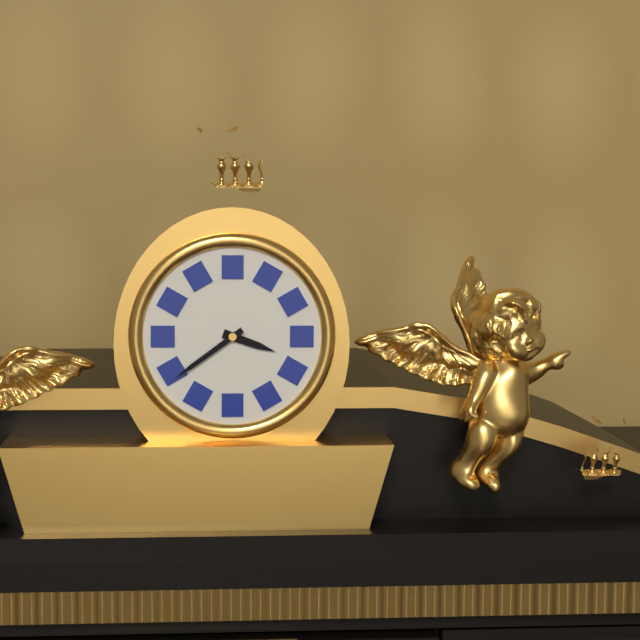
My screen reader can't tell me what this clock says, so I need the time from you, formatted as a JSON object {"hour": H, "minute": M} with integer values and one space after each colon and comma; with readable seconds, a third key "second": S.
{"hour": 3, "minute": 39}
